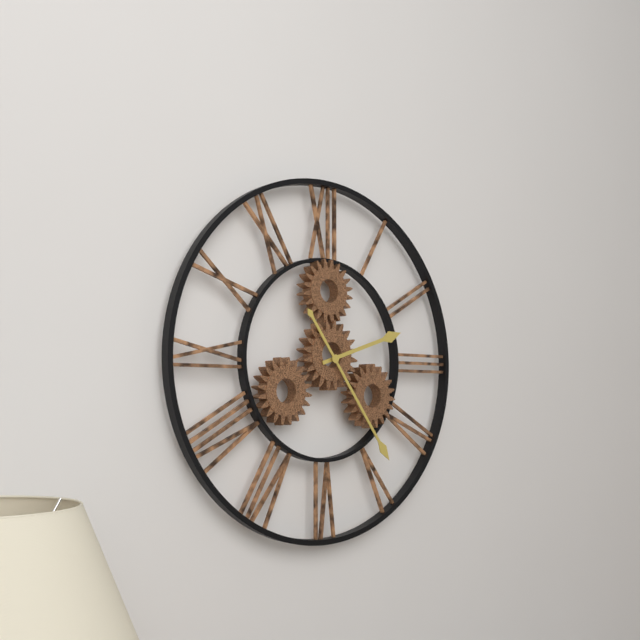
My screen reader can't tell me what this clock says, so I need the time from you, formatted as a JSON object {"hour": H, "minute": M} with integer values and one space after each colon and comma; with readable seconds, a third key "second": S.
{"hour": 2, "minute": 24}
